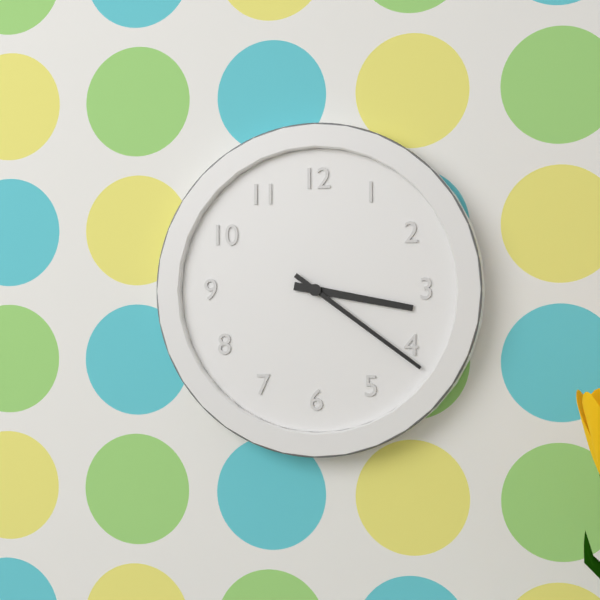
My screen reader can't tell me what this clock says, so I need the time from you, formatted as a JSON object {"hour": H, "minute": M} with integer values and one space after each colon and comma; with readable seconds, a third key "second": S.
{"hour": 3, "minute": 21}
